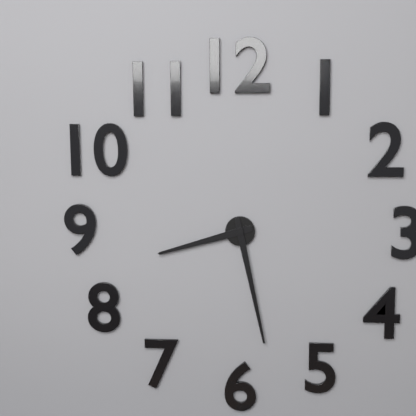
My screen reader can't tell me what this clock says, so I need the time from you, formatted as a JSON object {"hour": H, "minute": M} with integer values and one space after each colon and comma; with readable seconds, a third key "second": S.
{"hour": 8, "minute": 28}
